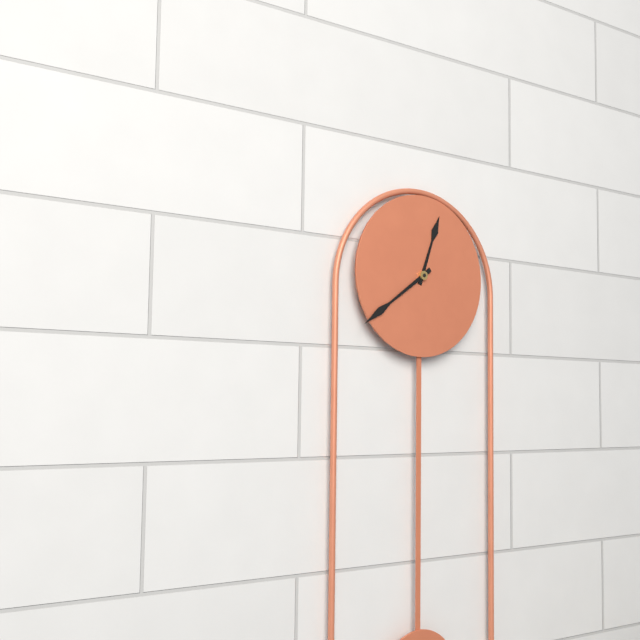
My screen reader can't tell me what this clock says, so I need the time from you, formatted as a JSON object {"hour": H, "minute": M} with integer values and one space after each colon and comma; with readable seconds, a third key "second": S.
{"hour": 12, "minute": 39}
